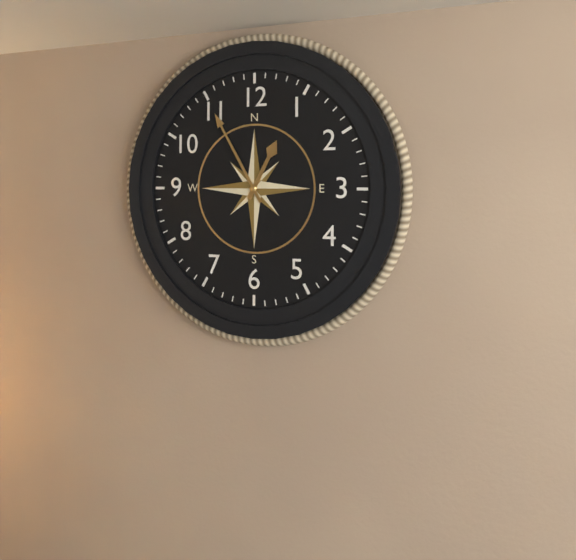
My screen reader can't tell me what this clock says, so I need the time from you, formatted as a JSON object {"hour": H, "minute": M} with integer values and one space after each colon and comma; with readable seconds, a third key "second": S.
{"hour": 12, "minute": 55}
